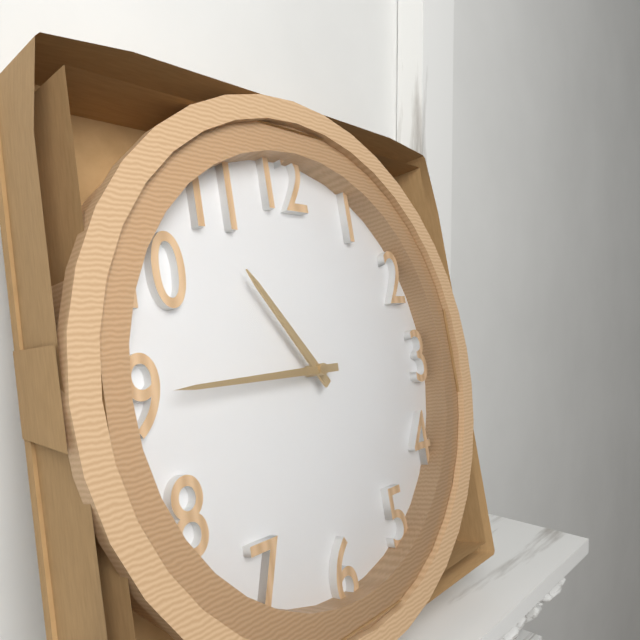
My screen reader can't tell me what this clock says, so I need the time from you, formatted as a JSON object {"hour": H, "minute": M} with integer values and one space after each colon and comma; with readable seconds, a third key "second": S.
{"hour": 10, "minute": 45}
